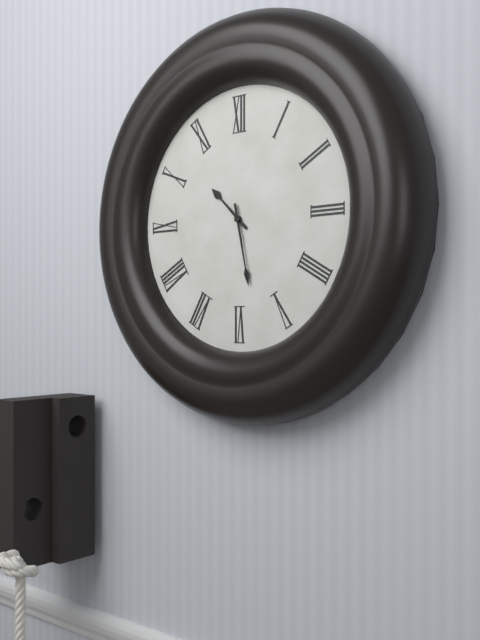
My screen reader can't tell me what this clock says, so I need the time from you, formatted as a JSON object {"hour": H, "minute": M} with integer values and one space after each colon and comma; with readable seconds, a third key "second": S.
{"hour": 10, "minute": 28}
